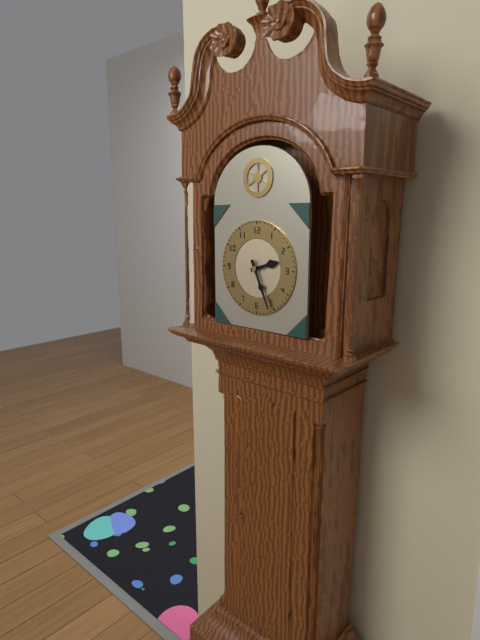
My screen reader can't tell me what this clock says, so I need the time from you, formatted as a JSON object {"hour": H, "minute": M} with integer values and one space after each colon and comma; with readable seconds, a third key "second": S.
{"hour": 2, "minute": 26}
